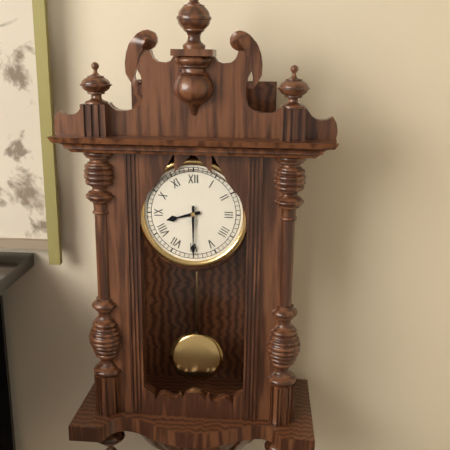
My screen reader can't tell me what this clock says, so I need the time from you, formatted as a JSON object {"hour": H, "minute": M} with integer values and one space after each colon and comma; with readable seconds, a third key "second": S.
{"hour": 8, "minute": 30}
